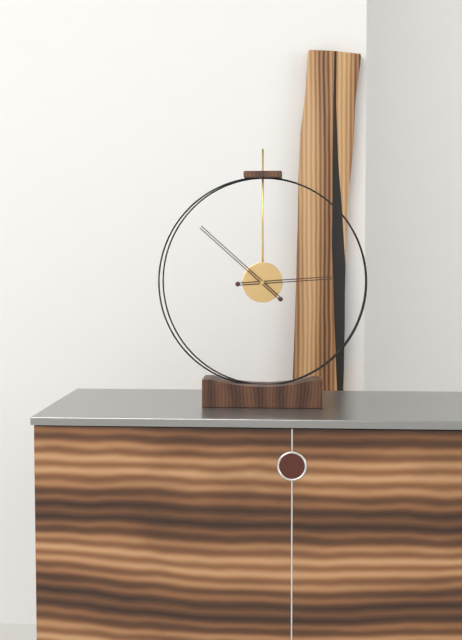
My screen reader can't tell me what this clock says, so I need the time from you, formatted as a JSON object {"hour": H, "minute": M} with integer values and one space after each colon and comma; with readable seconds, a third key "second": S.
{"hour": 2, "minute": 52}
